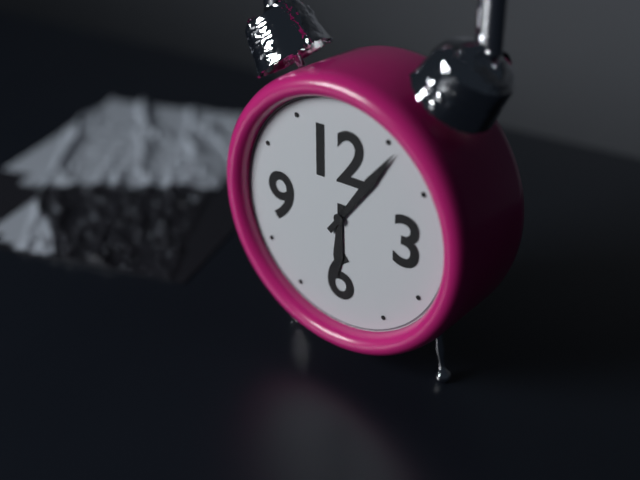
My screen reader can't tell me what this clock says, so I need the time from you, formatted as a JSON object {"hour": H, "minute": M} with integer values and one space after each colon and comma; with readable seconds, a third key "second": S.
{"hour": 6, "minute": 6}
